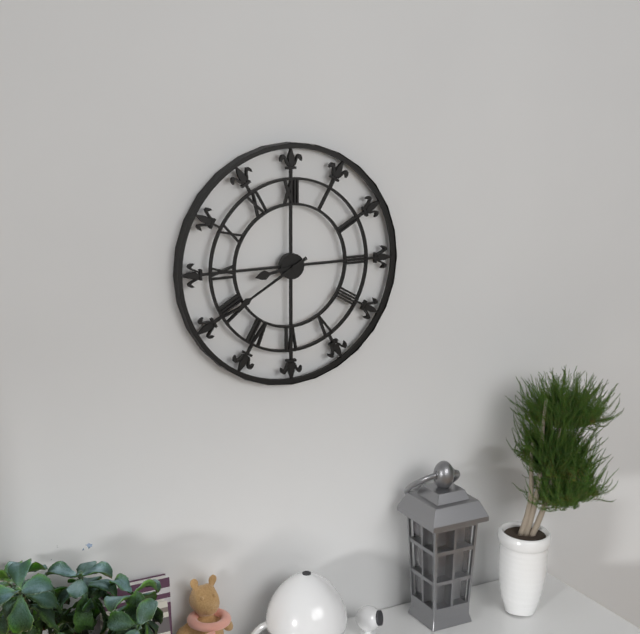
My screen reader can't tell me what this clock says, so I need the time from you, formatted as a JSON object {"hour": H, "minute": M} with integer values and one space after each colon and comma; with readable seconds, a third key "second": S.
{"hour": 8, "minute": 40}
